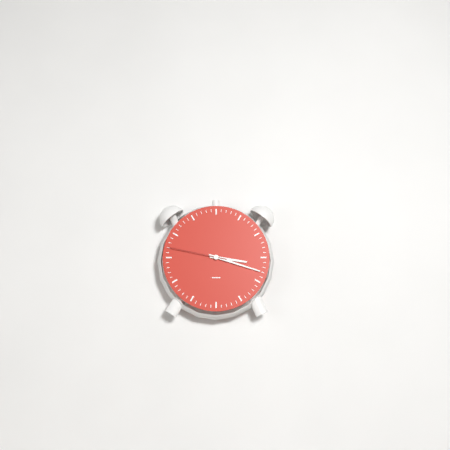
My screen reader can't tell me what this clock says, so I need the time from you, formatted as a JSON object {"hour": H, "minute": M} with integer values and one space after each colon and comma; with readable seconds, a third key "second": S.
{"hour": 3, "minute": 18, "second": 47}
